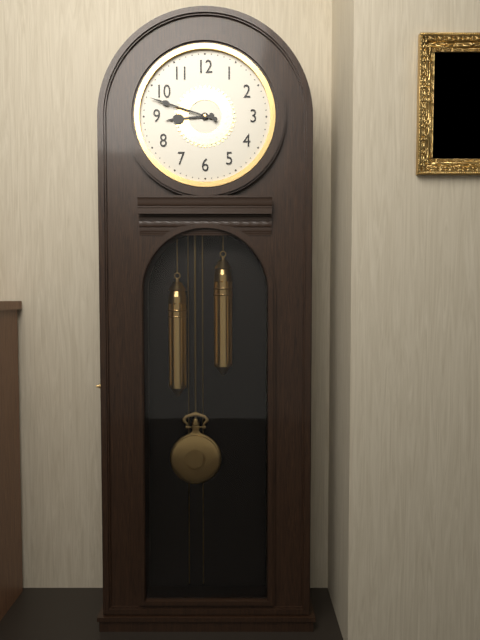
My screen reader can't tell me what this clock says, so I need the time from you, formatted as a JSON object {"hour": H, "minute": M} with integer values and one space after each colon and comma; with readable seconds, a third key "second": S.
{"hour": 8, "minute": 48}
